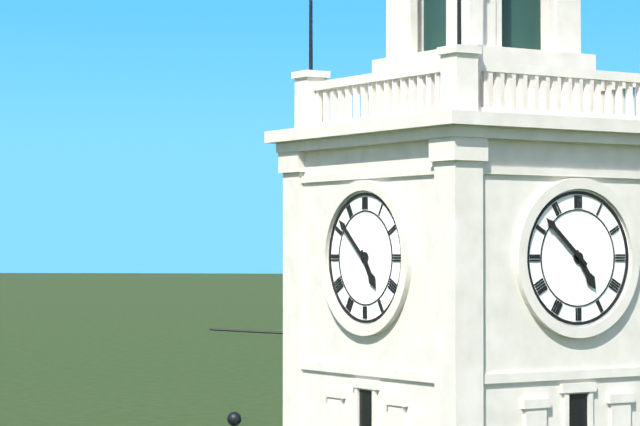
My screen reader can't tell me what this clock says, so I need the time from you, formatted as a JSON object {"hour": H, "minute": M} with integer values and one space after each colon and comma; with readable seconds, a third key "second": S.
{"hour": 4, "minute": 52}
